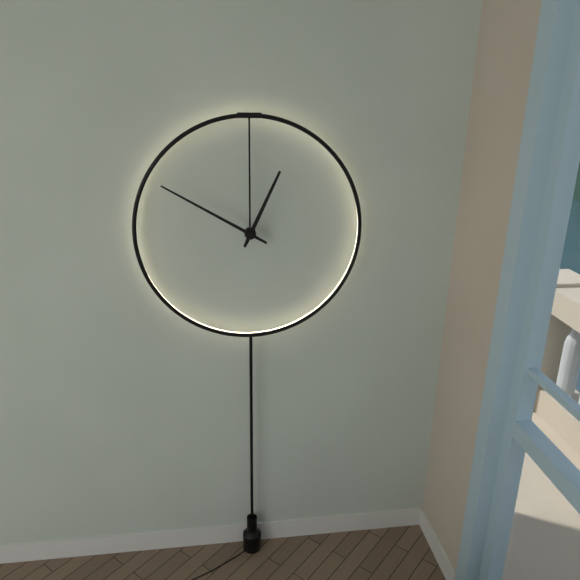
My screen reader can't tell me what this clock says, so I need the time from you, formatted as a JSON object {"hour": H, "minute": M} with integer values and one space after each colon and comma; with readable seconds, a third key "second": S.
{"hour": 12, "minute": 50}
